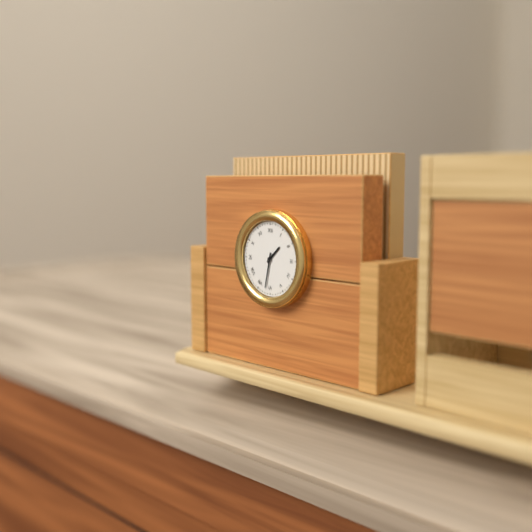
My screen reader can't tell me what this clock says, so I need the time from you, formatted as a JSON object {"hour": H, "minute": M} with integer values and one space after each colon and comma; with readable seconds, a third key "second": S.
{"hour": 1, "minute": 32}
